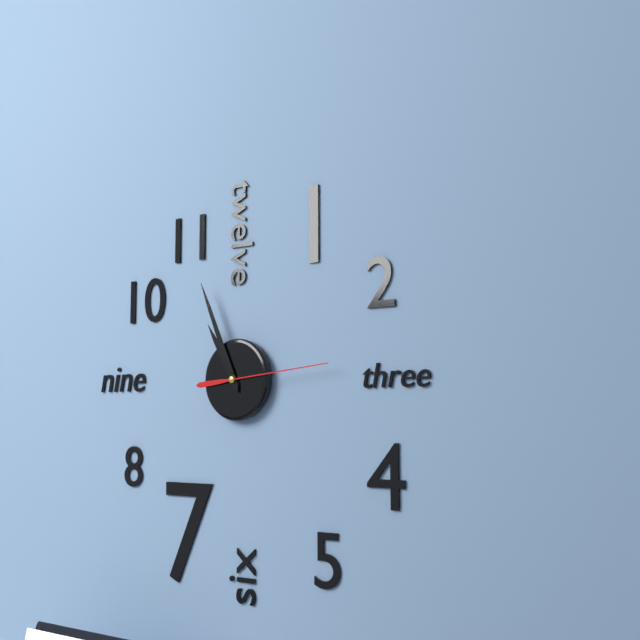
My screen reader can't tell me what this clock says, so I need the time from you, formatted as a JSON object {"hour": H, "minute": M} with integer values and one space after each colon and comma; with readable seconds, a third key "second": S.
{"hour": 10, "minute": 56, "second": 14}
